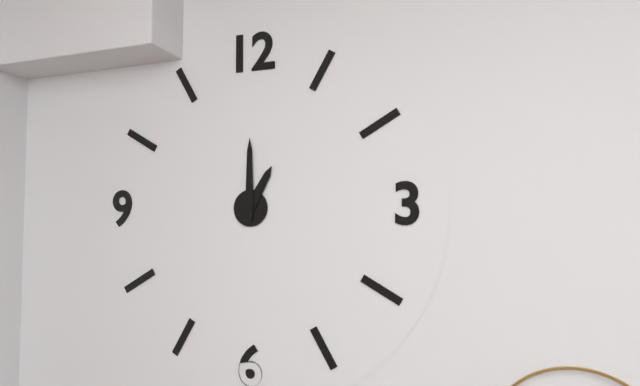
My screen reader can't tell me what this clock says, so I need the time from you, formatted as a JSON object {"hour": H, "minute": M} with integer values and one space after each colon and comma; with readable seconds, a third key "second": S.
{"hour": 1, "minute": 0}
